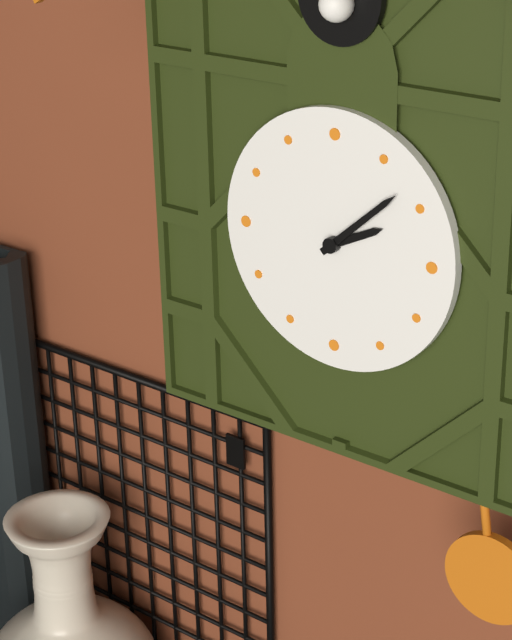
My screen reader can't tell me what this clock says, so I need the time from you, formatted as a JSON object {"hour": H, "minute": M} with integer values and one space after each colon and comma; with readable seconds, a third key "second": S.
{"hour": 2, "minute": 8}
